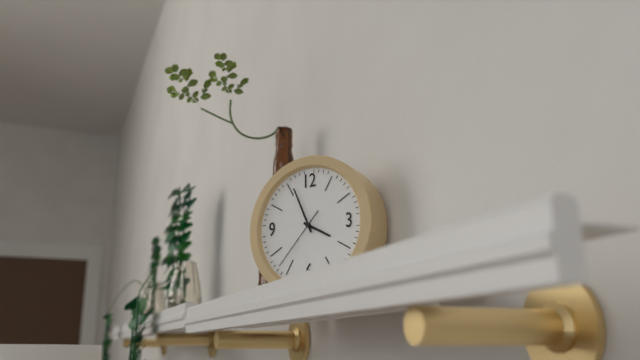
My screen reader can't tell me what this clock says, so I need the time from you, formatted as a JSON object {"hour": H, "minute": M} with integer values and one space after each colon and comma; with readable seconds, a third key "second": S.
{"hour": 3, "minute": 56, "second": 37}
